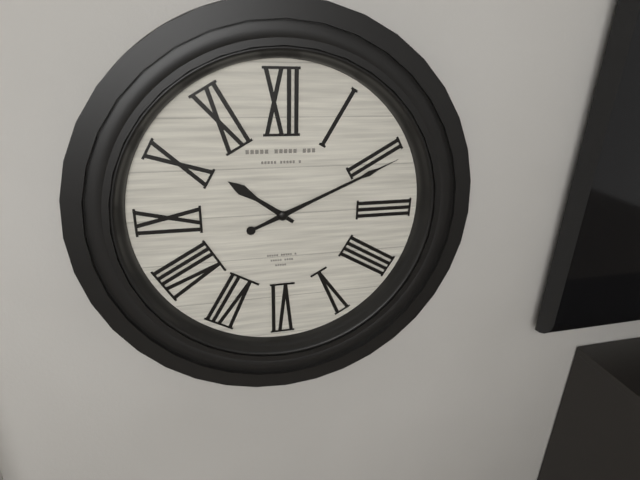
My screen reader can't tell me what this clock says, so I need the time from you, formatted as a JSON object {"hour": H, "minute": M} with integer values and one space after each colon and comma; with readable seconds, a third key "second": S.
{"hour": 10, "minute": 11}
